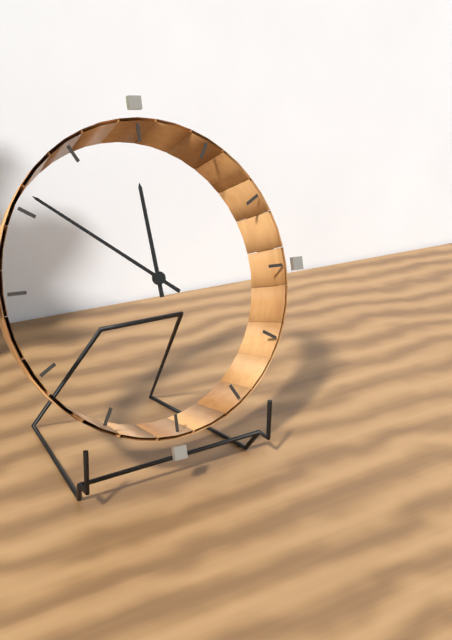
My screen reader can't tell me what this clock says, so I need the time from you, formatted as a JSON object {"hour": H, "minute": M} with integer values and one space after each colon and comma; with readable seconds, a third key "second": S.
{"hour": 11, "minute": 51}
